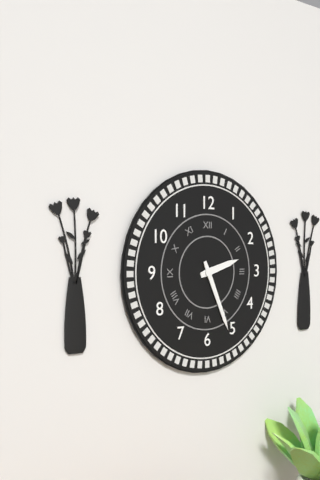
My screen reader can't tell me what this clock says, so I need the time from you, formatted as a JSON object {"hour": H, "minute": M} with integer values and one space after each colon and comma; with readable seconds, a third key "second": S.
{"hour": 2, "minute": 26}
